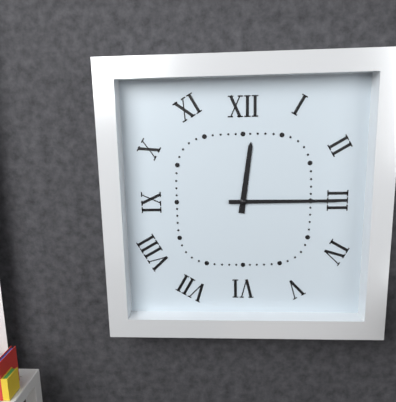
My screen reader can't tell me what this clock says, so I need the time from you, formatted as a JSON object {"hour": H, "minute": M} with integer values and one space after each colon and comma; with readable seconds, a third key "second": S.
{"hour": 12, "minute": 15}
